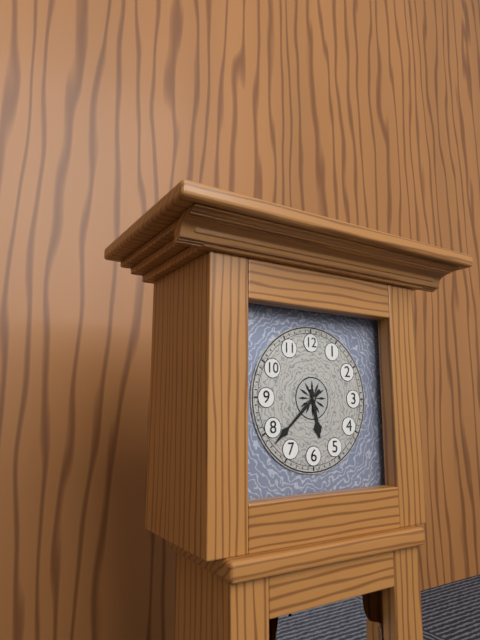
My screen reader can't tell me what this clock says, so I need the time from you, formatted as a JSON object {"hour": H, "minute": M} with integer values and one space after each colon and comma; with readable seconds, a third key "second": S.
{"hour": 5, "minute": 38}
